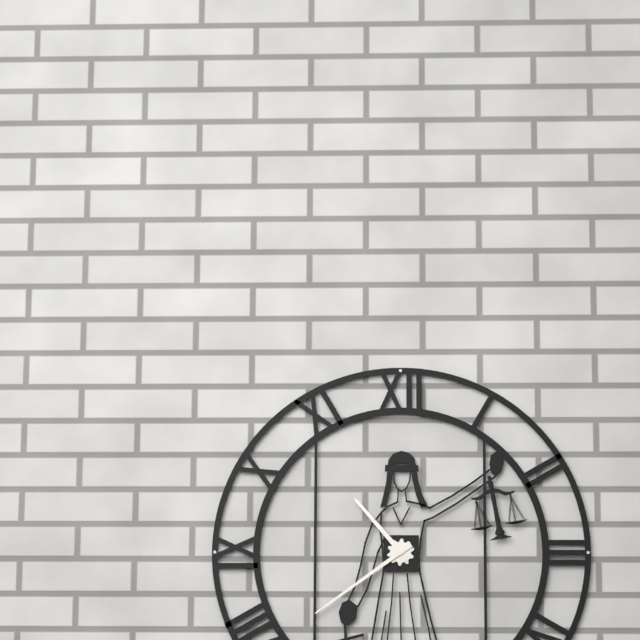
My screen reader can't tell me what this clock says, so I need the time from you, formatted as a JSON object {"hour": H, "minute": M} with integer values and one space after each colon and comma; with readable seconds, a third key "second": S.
{"hour": 10, "minute": 39}
